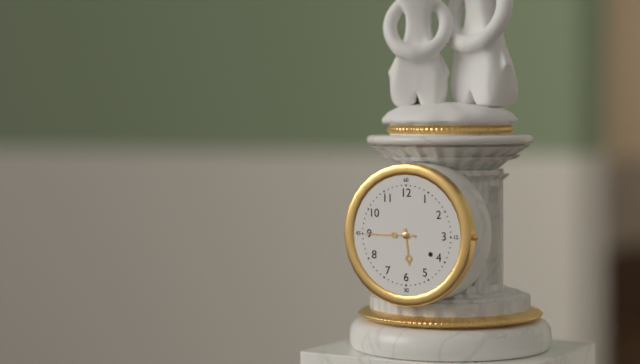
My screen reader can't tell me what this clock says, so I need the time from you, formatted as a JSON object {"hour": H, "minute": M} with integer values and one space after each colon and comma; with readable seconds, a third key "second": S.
{"hour": 5, "minute": 45}
